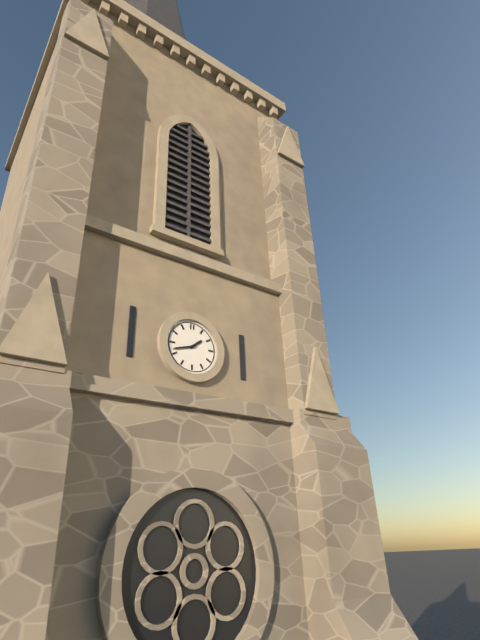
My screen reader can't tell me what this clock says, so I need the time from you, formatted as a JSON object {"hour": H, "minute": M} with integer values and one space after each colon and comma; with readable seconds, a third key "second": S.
{"hour": 1, "minute": 42}
